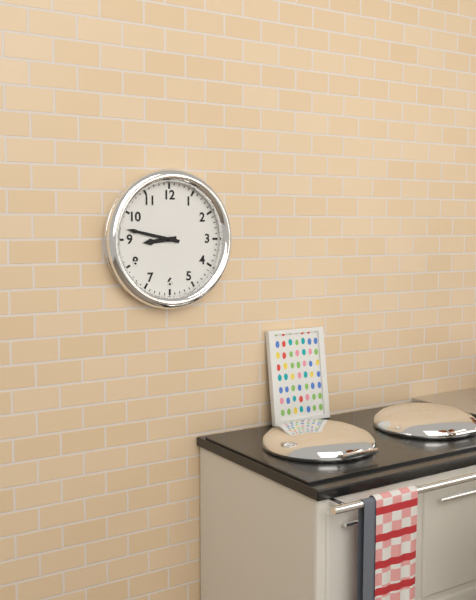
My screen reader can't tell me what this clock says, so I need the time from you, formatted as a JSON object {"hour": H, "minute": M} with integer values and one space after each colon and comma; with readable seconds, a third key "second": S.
{"hour": 8, "minute": 47}
